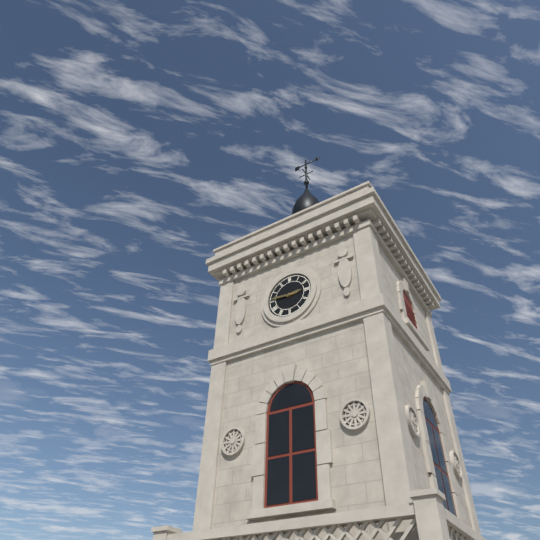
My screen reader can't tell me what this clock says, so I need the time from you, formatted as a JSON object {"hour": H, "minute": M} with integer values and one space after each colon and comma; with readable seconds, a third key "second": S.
{"hour": 2, "minute": 46}
